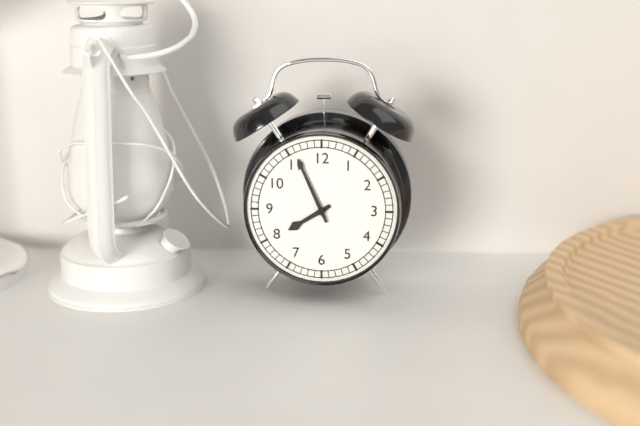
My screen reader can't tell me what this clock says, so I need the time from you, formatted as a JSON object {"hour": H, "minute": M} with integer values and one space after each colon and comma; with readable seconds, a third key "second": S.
{"hour": 7, "minute": 56}
